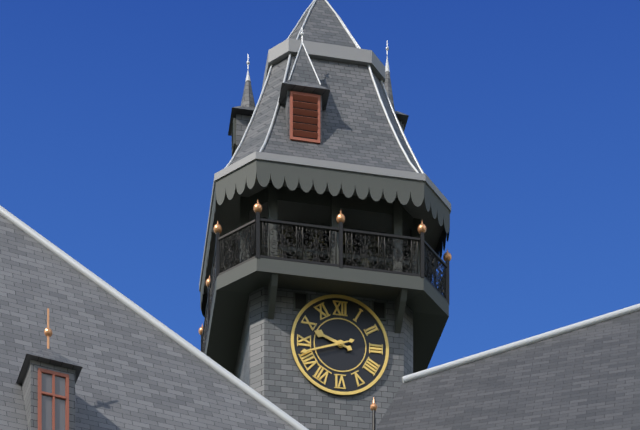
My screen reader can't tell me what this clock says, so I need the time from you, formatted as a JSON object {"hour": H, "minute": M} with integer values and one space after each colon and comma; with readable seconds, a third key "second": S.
{"hour": 9, "minute": 42}
